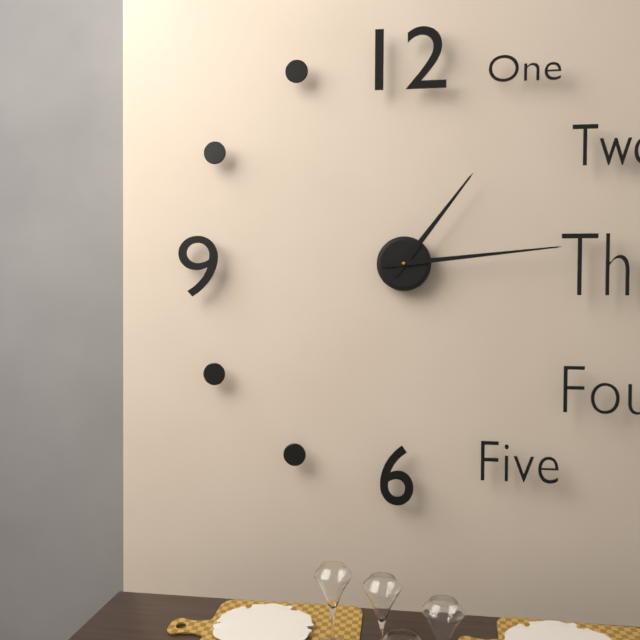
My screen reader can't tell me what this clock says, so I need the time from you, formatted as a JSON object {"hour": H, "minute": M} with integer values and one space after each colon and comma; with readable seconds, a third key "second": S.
{"hour": 1, "minute": 14}
